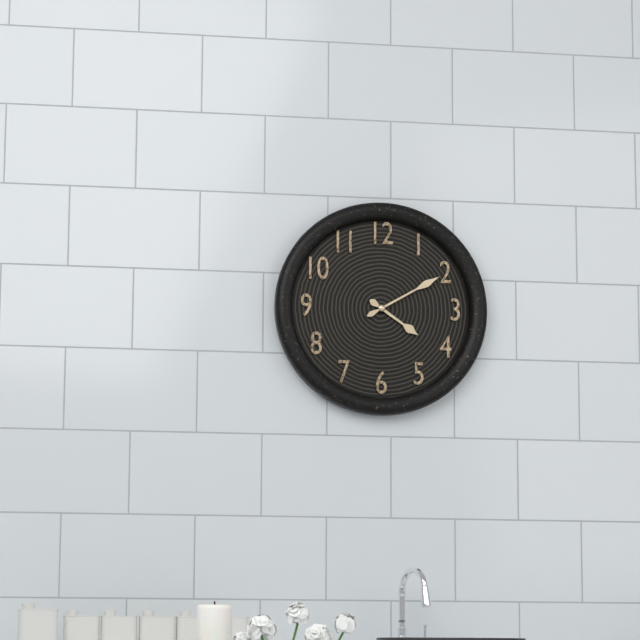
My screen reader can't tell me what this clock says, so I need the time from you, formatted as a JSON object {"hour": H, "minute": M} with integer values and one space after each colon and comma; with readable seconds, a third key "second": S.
{"hour": 4, "minute": 10}
